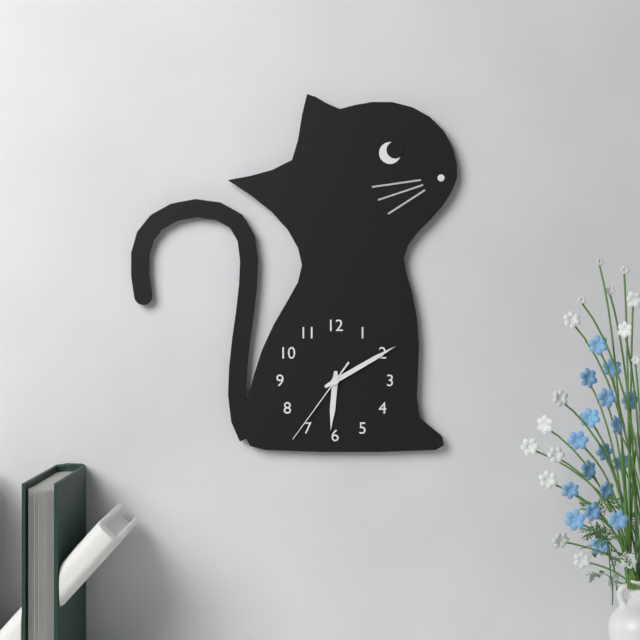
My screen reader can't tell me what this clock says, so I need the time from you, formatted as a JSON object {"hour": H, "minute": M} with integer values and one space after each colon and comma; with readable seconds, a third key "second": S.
{"hour": 6, "minute": 10, "second": 36}
